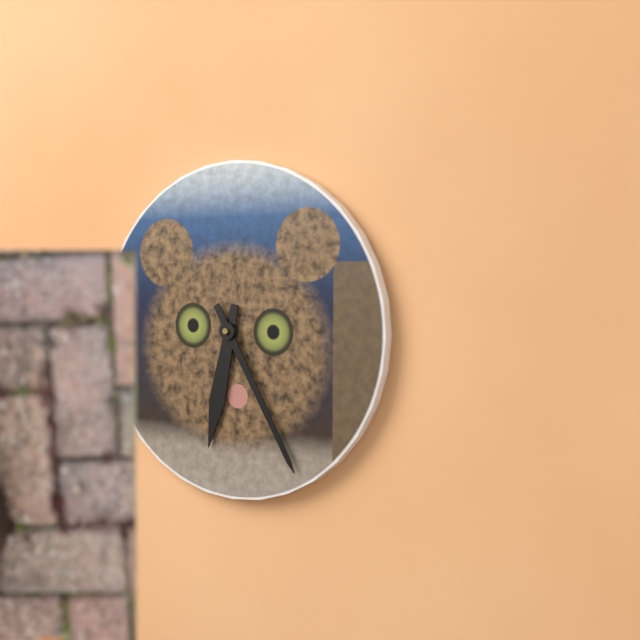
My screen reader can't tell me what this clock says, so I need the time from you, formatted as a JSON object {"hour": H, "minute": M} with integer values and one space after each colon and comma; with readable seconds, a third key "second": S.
{"hour": 6, "minute": 25}
